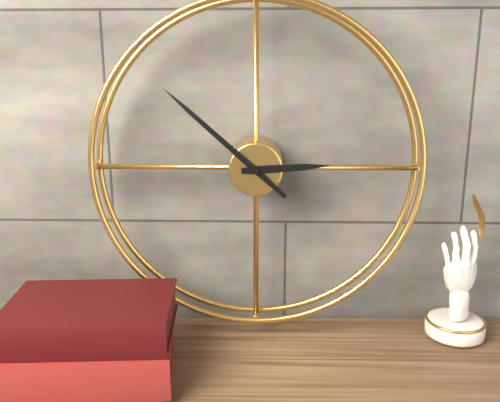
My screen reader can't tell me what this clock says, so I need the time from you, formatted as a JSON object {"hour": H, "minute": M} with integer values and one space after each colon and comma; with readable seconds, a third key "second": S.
{"hour": 2, "minute": 52}
